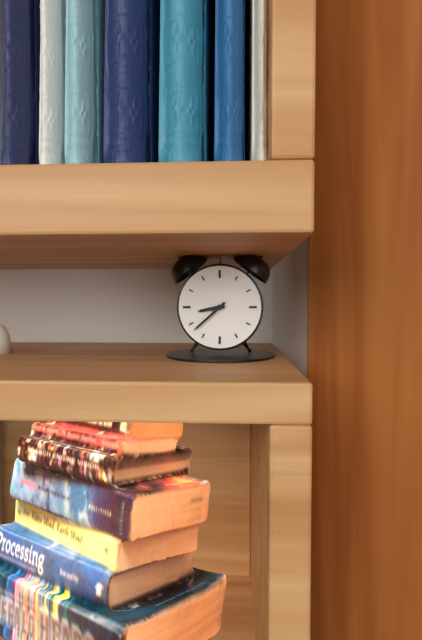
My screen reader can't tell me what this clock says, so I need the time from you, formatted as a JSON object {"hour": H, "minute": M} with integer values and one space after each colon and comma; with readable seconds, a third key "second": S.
{"hour": 8, "minute": 38}
